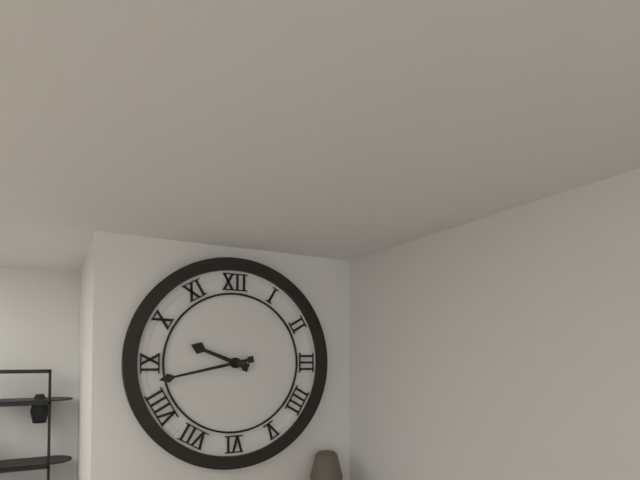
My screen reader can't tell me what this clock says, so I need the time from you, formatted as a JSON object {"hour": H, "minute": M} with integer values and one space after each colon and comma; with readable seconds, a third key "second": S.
{"hour": 9, "minute": 43}
